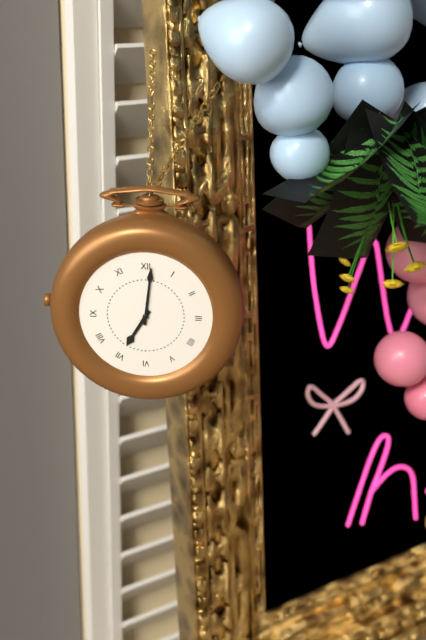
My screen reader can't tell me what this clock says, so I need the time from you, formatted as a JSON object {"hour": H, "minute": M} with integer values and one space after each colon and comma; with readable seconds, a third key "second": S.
{"hour": 7, "minute": 1}
